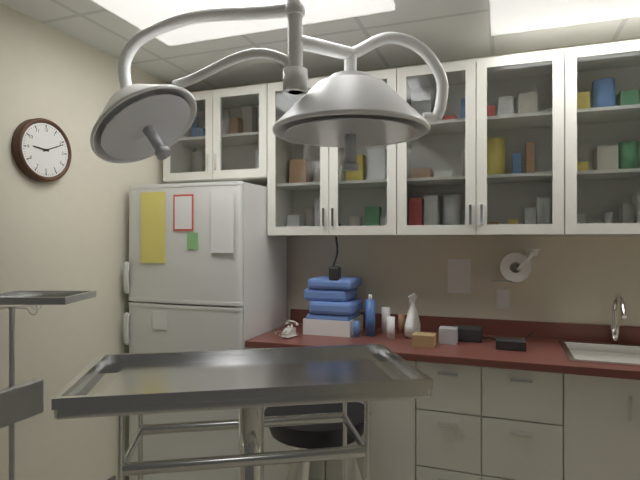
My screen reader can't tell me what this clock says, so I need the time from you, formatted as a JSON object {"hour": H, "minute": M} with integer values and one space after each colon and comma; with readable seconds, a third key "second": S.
{"hour": 9, "minute": 11}
